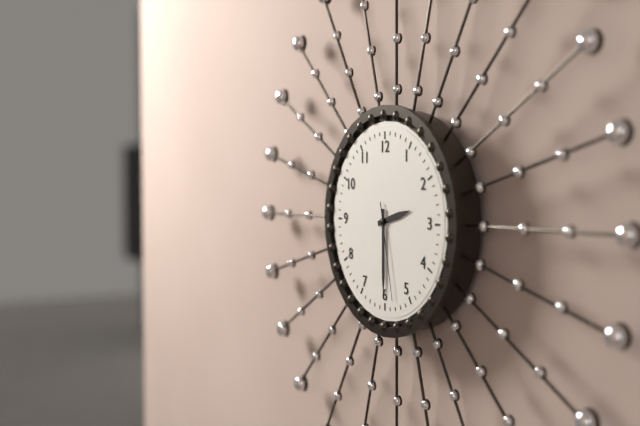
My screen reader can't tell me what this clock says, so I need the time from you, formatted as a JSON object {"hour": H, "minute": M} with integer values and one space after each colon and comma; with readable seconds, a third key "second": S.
{"hour": 2, "minute": 30, "second": 28}
